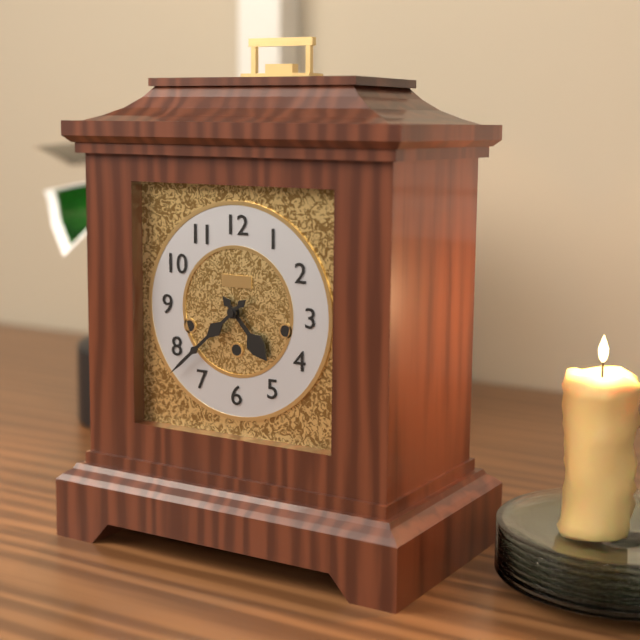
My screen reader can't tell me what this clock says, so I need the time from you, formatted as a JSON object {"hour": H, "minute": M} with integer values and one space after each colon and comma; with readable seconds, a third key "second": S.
{"hour": 4, "minute": 38}
